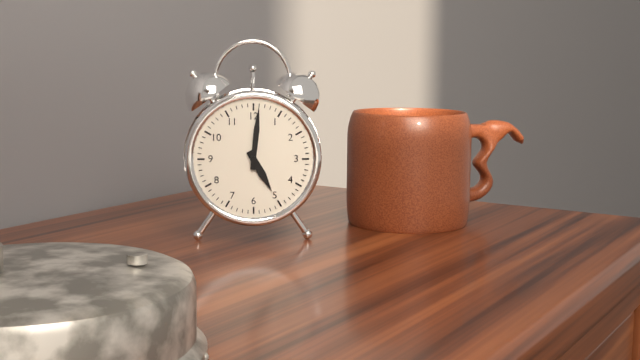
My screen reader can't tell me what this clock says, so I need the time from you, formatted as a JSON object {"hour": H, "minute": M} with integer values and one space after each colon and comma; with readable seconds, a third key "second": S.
{"hour": 5, "minute": 1}
